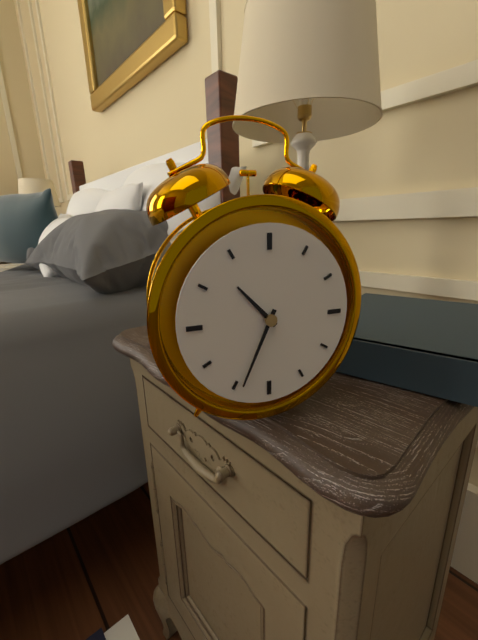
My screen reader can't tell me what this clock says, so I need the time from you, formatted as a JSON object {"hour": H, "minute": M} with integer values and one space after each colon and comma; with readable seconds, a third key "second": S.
{"hour": 10, "minute": 34}
